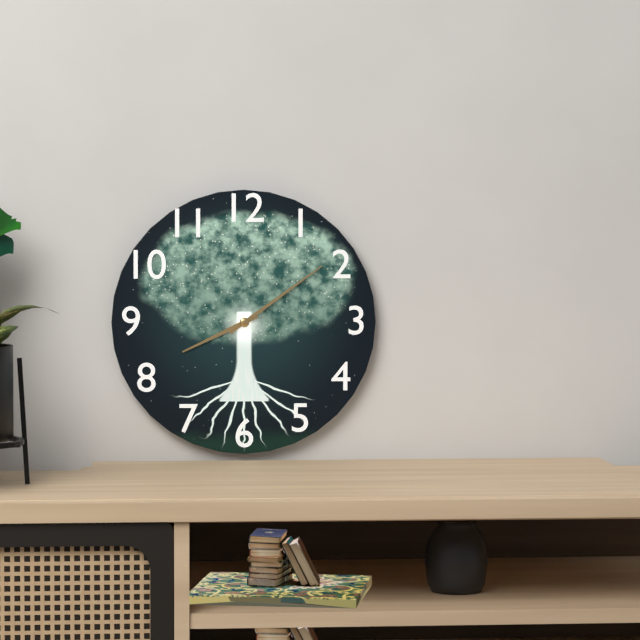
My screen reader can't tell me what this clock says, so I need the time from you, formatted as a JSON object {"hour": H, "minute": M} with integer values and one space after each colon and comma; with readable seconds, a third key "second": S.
{"hour": 8, "minute": 9}
